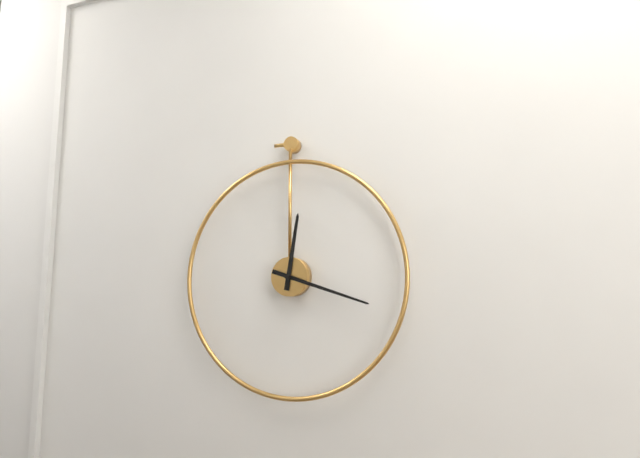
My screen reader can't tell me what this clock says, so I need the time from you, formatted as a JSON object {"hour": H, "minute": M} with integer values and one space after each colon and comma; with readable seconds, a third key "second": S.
{"hour": 12, "minute": 18}
